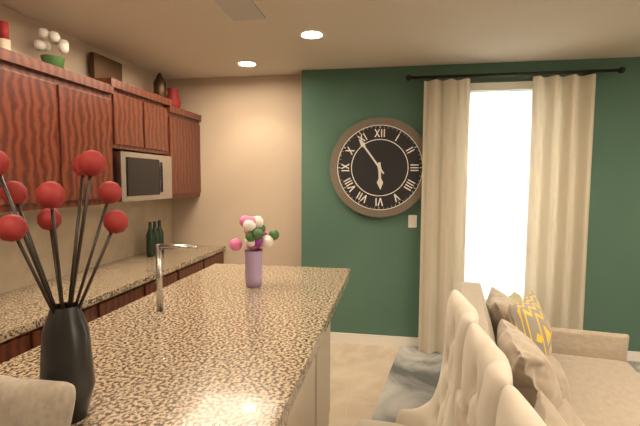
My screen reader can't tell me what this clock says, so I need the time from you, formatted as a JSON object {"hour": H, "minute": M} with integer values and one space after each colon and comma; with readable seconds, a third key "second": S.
{"hour": 5, "minute": 54}
